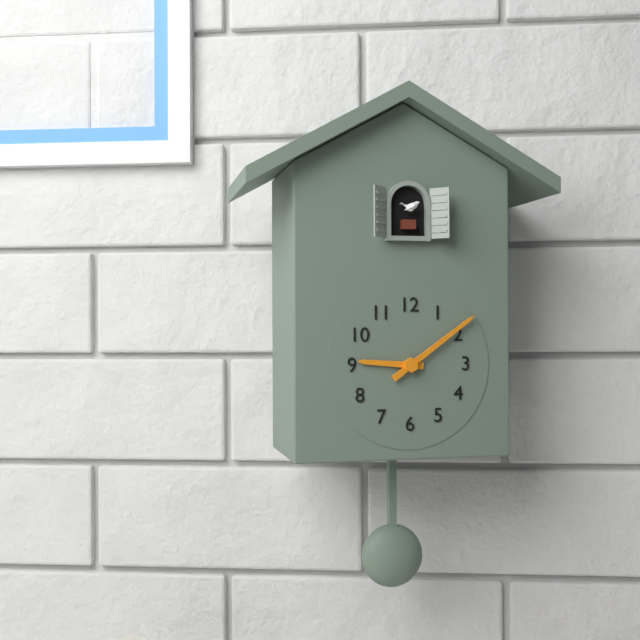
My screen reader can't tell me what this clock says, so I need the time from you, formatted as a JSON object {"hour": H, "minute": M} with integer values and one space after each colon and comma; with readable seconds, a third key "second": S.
{"hour": 9, "minute": 9}
